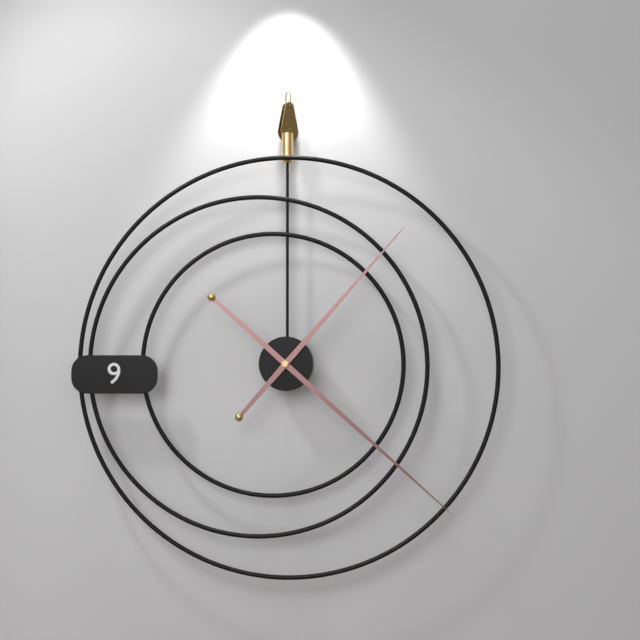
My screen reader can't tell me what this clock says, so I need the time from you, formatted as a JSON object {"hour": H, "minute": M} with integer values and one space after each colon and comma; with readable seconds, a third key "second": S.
{"hour": 1, "minute": 22}
